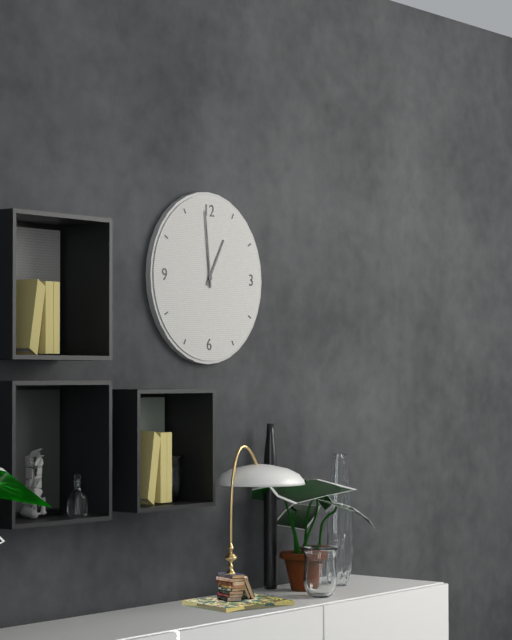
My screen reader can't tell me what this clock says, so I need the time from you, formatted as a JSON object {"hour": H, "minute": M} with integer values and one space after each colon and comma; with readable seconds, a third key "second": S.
{"hour": 12, "minute": 59}
